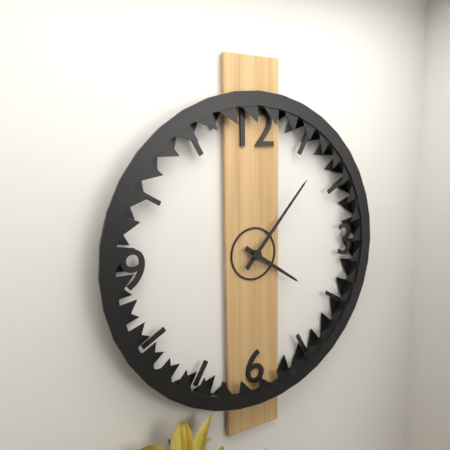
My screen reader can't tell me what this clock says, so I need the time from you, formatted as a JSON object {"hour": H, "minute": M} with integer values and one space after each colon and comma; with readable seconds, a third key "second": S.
{"hour": 4, "minute": 7}
